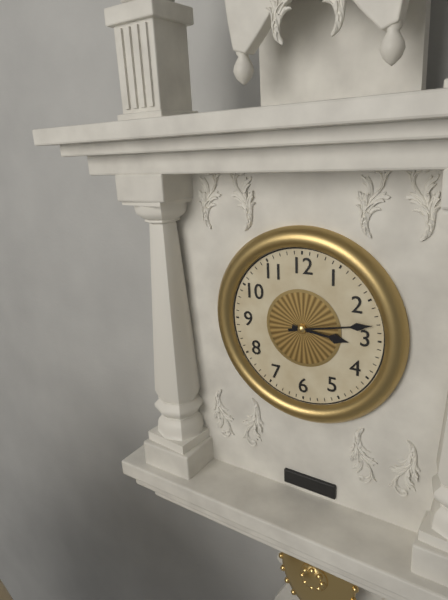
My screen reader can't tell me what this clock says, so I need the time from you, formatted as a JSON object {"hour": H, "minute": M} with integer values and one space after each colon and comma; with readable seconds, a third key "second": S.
{"hour": 3, "minute": 13}
